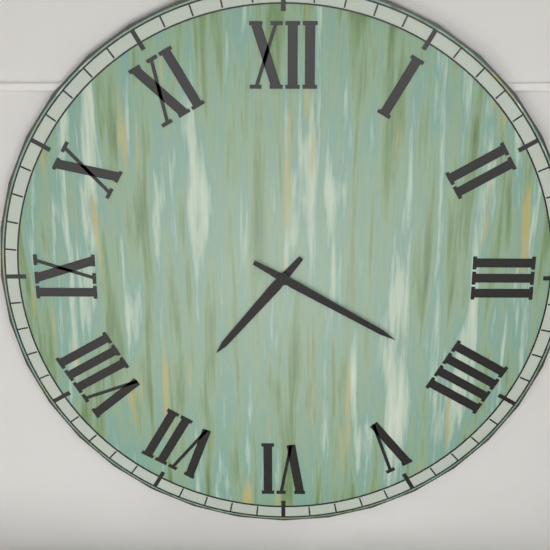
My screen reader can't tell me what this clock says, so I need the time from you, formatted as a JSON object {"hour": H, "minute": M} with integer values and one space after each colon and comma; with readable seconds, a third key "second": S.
{"hour": 7, "minute": 20}
